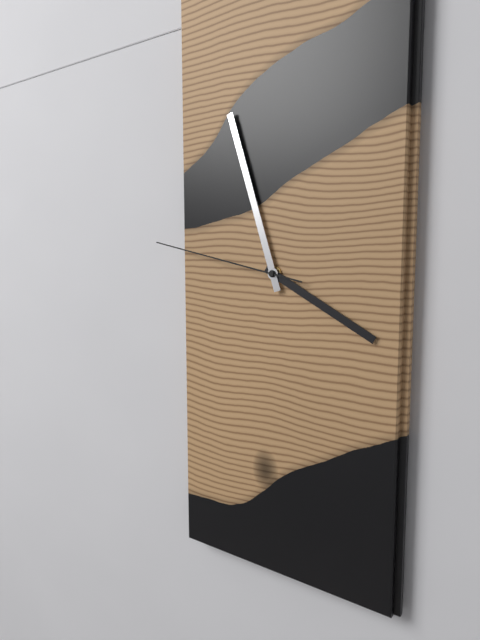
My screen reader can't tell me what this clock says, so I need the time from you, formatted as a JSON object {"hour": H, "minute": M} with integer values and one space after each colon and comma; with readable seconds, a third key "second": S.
{"hour": 3, "minute": 57, "second": 47}
